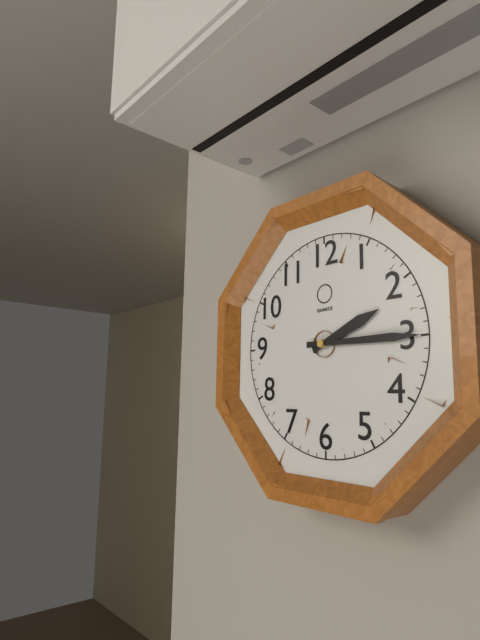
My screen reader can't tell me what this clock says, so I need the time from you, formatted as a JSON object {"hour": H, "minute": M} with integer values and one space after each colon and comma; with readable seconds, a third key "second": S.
{"hour": 2, "minute": 15}
